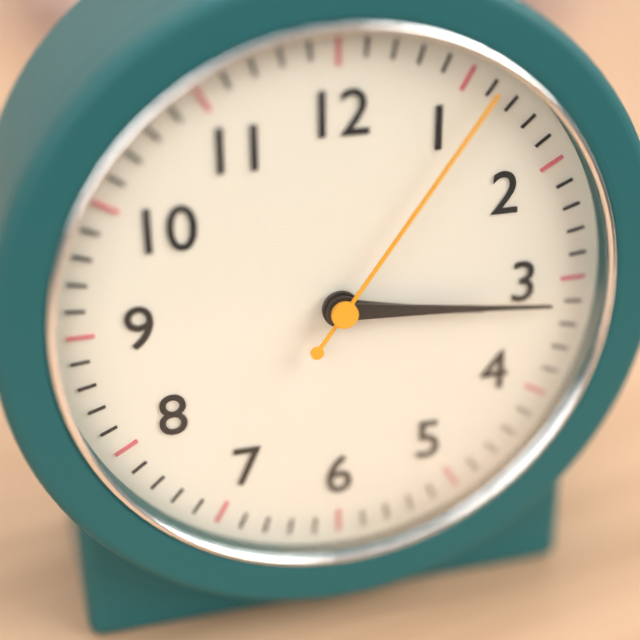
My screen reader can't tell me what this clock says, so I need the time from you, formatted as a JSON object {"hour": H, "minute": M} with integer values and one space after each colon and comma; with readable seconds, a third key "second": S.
{"hour": 3, "minute": 16, "second": 6}
